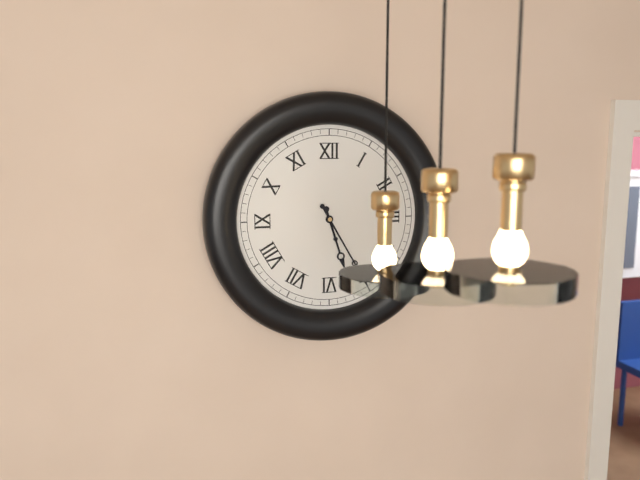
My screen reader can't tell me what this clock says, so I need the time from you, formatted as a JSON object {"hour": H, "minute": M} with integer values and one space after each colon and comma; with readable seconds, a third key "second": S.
{"hour": 5, "minute": 25}
